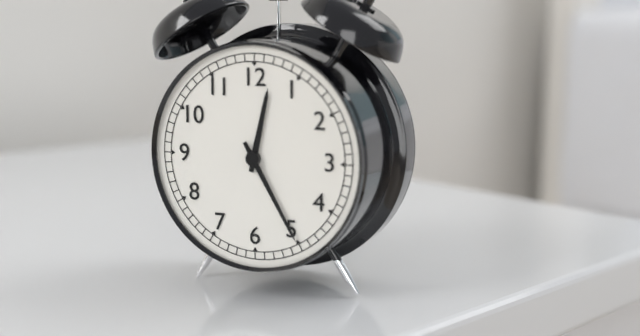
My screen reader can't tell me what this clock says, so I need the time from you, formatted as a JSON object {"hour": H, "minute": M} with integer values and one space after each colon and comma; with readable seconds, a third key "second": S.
{"hour": 12, "minute": 25}
